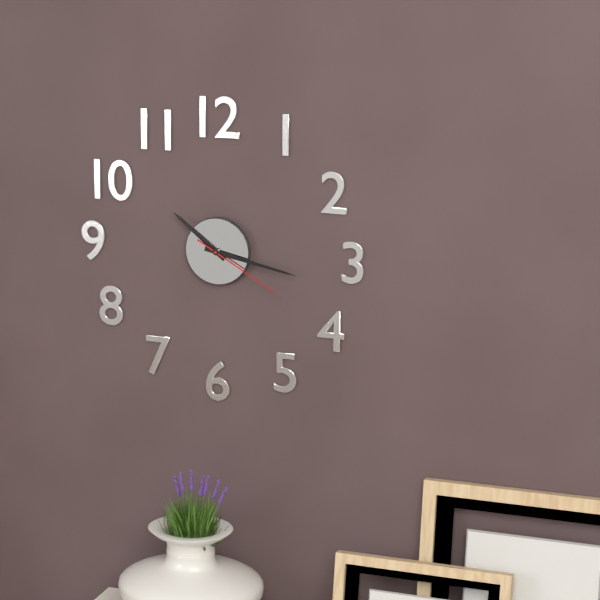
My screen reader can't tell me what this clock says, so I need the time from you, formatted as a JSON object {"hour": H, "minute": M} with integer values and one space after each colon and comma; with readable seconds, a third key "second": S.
{"hour": 10, "minute": 17, "second": 20}
